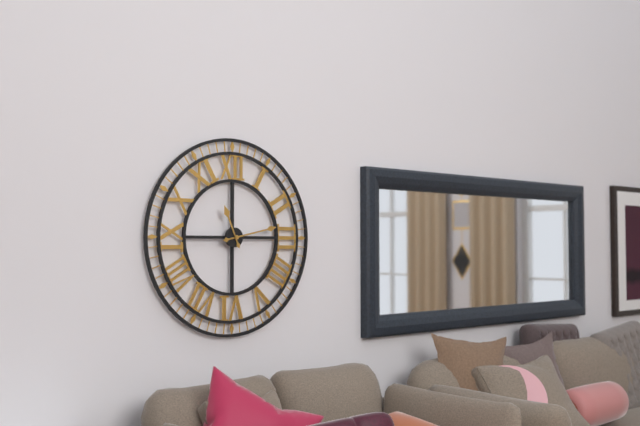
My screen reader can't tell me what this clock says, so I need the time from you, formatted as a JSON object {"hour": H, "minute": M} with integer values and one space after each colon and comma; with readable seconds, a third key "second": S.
{"hour": 11, "minute": 13}
